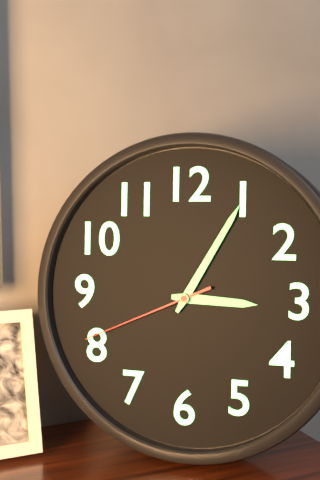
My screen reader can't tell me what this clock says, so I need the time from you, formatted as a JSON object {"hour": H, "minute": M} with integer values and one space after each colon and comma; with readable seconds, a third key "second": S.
{"hour": 3, "minute": 5, "second": 41}
